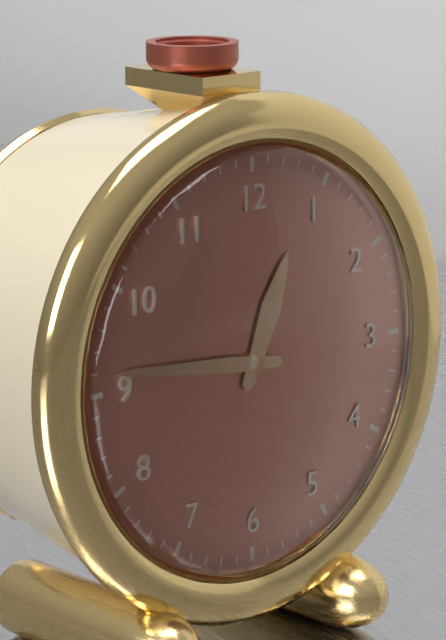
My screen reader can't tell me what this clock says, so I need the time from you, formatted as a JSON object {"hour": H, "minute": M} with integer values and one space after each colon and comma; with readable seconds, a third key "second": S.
{"hour": 12, "minute": 46}
